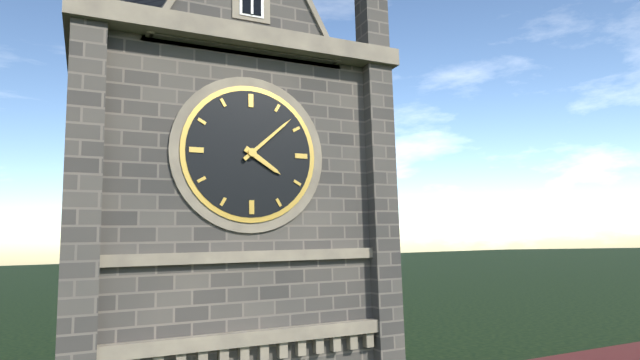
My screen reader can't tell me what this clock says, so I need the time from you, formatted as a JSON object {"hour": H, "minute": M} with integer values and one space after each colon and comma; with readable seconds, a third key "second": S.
{"hour": 4, "minute": 8}
